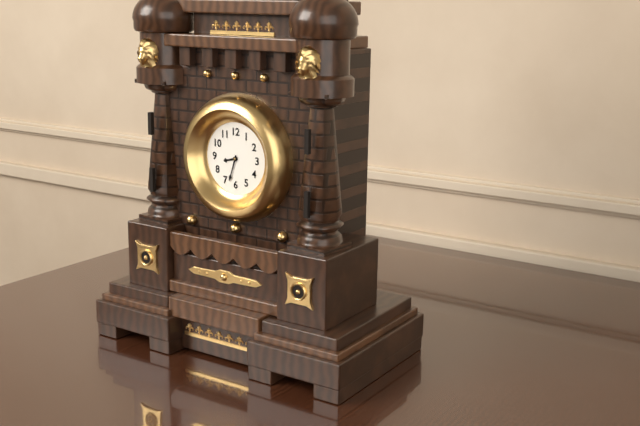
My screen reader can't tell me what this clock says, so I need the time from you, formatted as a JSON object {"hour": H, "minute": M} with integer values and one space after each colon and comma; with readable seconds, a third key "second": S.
{"hour": 8, "minute": 33}
